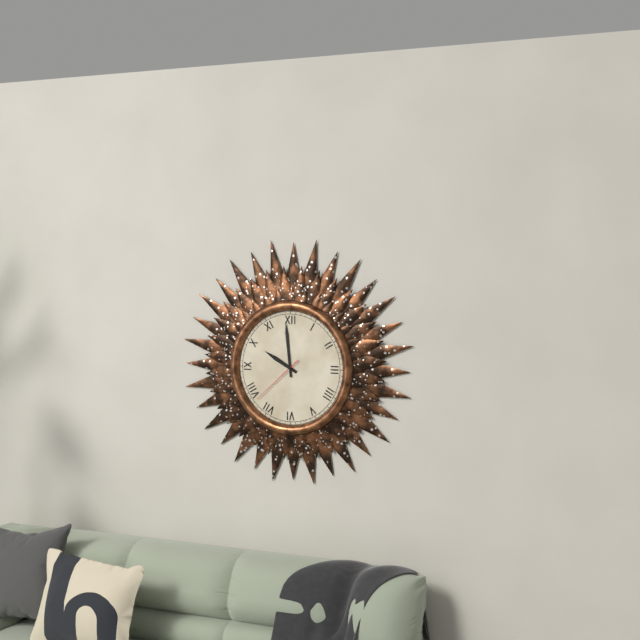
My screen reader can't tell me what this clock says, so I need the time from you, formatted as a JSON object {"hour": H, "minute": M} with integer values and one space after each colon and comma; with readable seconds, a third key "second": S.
{"hour": 9, "minute": 59, "second": 38}
